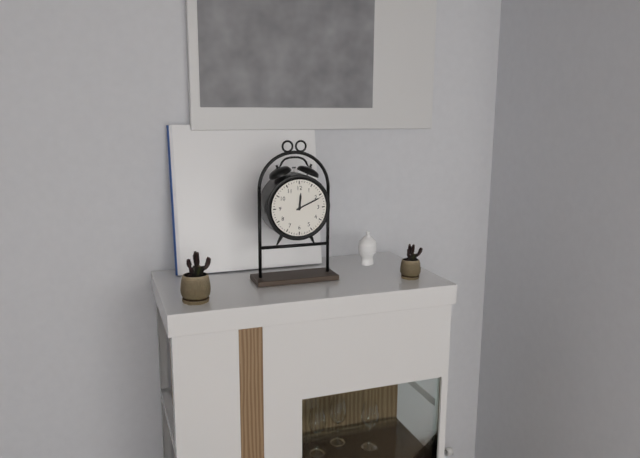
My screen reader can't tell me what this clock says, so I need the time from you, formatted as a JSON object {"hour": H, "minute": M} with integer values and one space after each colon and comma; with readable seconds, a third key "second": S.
{"hour": 12, "minute": 11}
